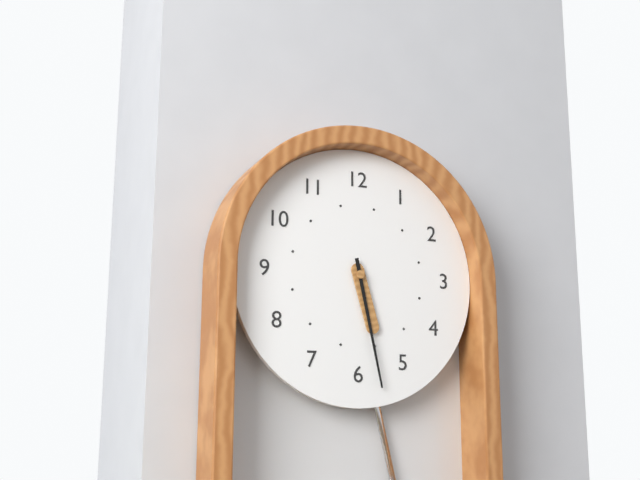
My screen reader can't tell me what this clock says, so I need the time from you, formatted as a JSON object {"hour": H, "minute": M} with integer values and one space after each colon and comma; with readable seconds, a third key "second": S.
{"hour": 5, "minute": 28}
